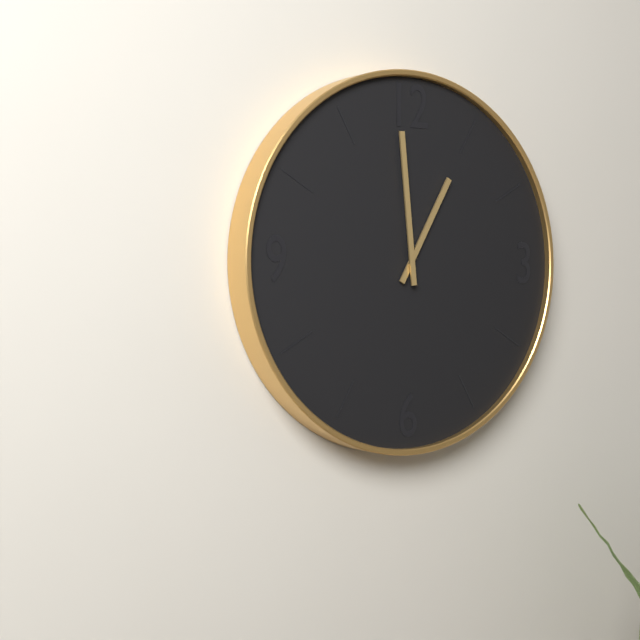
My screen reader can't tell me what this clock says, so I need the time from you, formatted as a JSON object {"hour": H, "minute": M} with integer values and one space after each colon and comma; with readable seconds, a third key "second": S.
{"hour": 12, "minute": 59}
